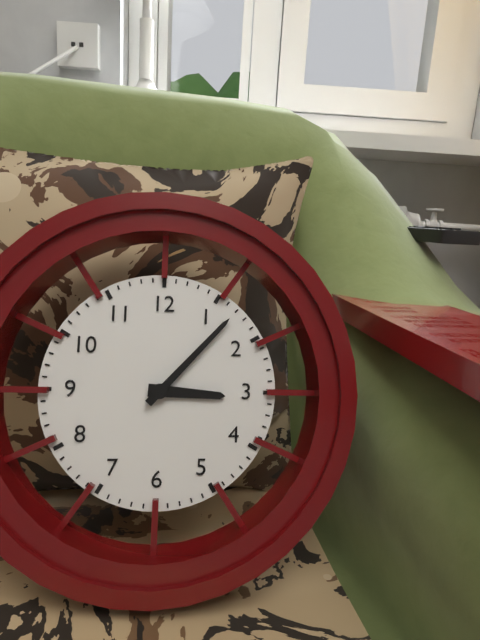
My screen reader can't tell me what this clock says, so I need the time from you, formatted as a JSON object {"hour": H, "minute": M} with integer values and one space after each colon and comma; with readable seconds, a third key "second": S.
{"hour": 3, "minute": 7}
